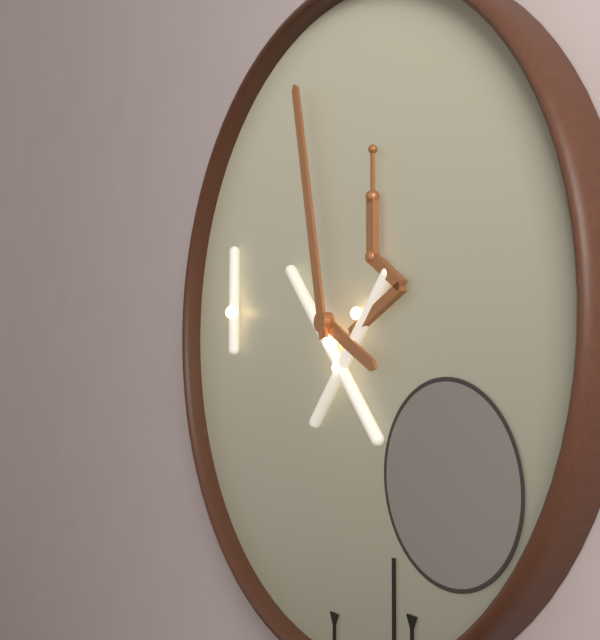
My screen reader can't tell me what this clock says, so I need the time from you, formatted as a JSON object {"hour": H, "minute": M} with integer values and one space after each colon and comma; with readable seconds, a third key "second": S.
{"hour": 3, "minute": 58}
